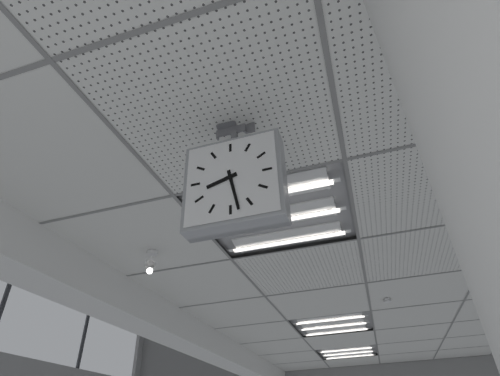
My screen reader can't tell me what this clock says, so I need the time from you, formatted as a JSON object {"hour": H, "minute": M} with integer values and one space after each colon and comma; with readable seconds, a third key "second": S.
{"hour": 8, "minute": 28}
